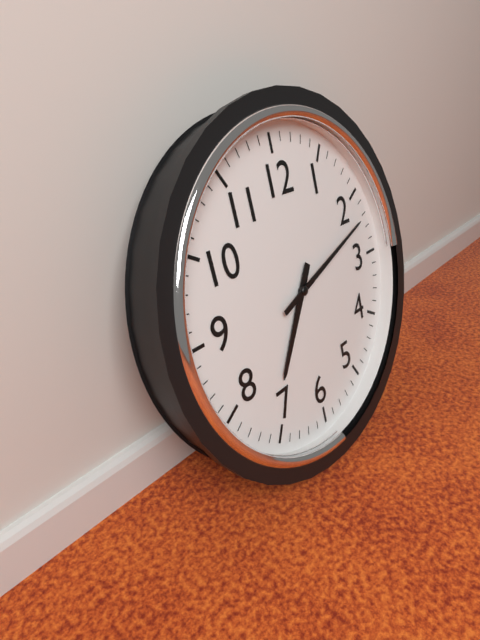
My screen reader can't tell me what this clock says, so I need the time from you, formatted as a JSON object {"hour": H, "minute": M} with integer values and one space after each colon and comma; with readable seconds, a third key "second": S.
{"hour": 7, "minute": 12}
